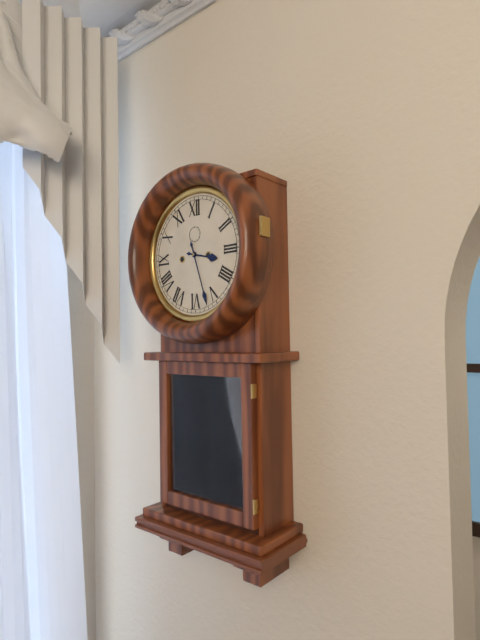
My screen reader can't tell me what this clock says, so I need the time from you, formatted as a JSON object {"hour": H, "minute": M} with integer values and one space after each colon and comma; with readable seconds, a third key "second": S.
{"hour": 3, "minute": 27}
